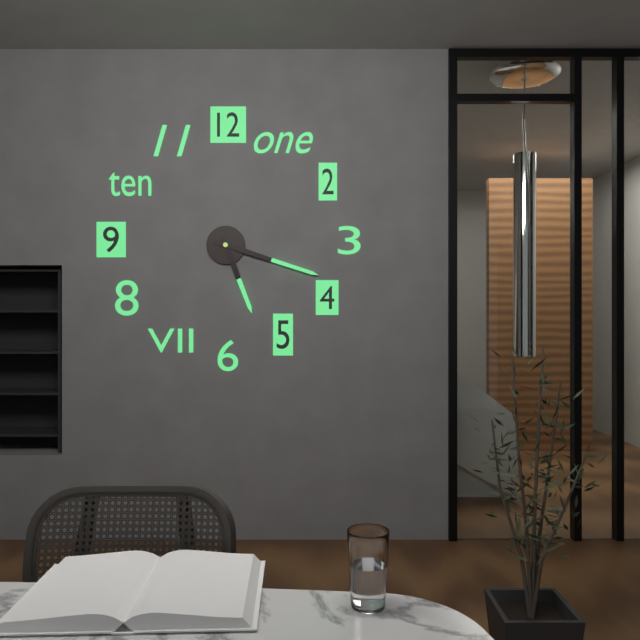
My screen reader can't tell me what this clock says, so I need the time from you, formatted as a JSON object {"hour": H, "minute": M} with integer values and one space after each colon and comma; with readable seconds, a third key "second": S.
{"hour": 5, "minute": 18}
